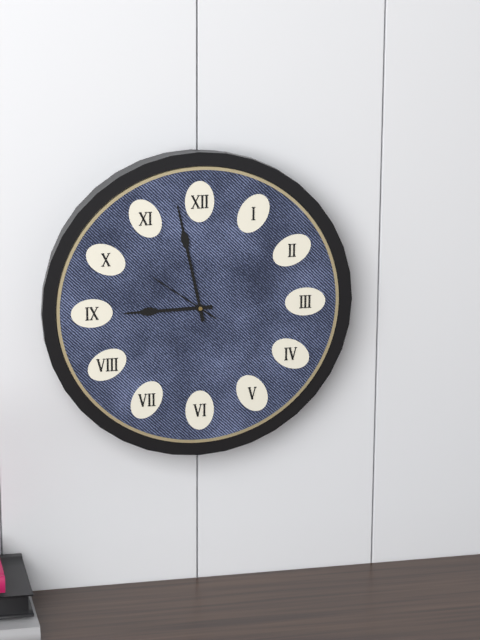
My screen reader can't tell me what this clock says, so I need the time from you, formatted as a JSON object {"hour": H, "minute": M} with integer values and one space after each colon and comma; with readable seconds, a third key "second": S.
{"hour": 8, "minute": 58, "second": 51}
